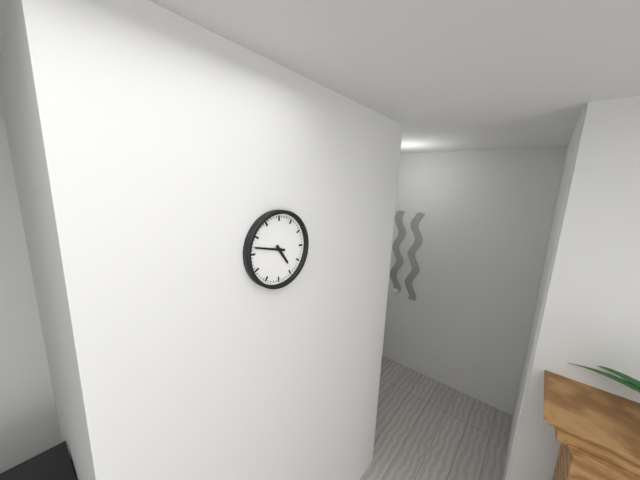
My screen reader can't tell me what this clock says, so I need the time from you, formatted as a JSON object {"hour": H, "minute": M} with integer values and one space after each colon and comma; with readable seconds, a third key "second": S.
{"hour": 4, "minute": 47}
